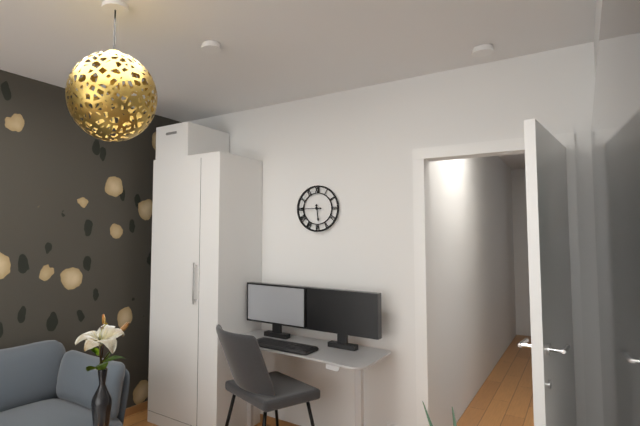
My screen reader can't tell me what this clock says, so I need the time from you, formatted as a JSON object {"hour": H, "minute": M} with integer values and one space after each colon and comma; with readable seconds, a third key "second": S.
{"hour": 5, "minute": 45}
